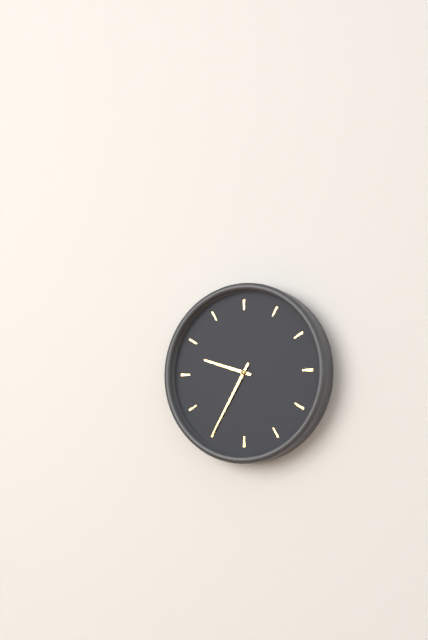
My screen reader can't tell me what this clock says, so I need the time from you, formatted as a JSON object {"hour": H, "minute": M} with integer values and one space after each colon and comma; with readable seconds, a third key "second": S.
{"hour": 9, "minute": 35}
